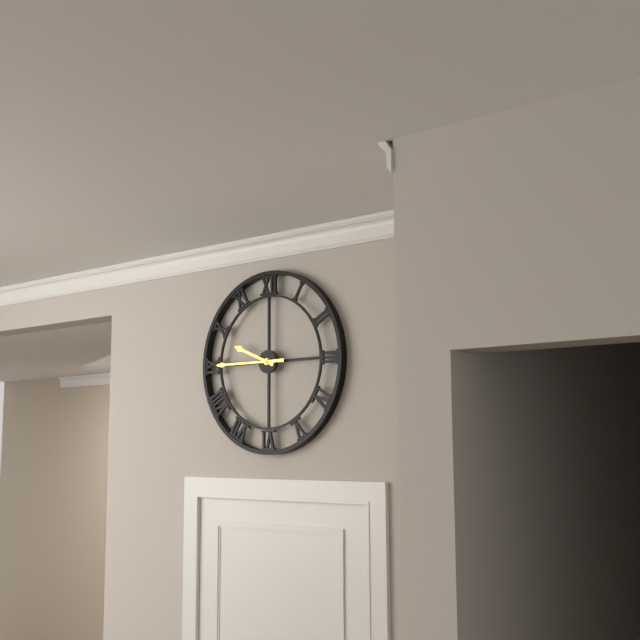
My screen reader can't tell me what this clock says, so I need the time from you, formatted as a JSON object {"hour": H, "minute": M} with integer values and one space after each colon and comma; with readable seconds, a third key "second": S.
{"hour": 9, "minute": 45}
